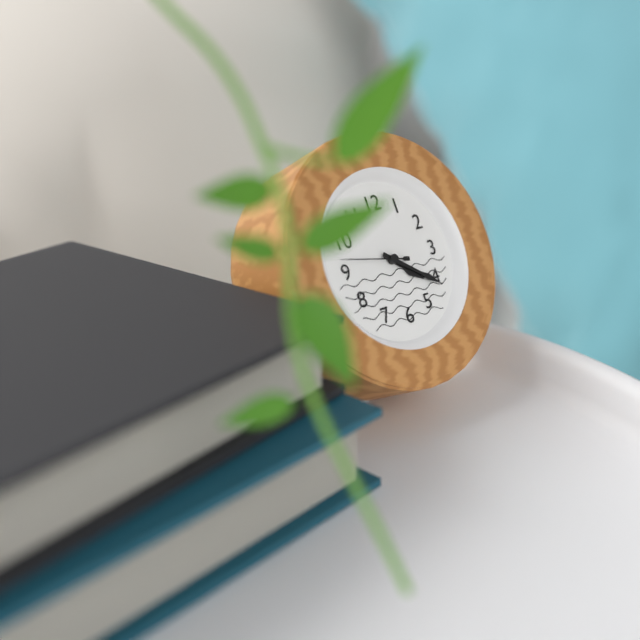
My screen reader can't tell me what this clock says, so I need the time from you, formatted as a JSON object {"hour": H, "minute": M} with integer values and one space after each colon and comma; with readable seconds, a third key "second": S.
{"hour": 4, "minute": 21, "second": 47}
